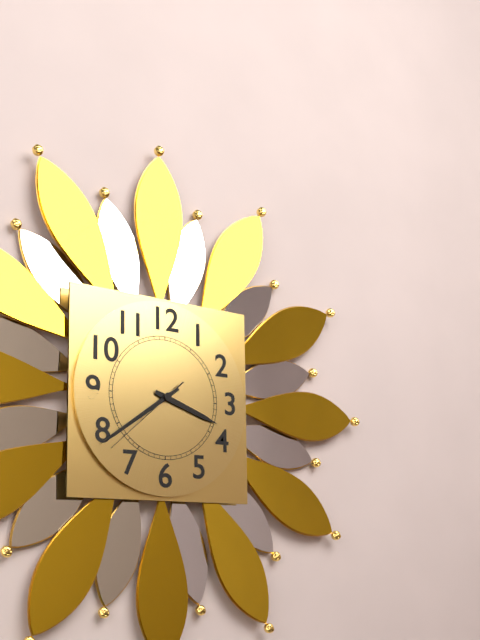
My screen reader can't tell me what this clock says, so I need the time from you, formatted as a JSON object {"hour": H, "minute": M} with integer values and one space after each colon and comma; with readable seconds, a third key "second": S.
{"hour": 3, "minute": 39, "second": 38}
